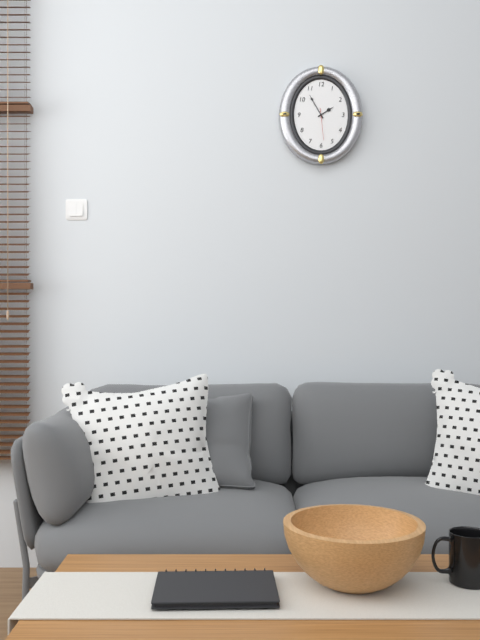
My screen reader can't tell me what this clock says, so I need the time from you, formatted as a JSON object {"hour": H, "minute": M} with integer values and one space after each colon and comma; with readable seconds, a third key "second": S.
{"hour": 1, "minute": 55}
